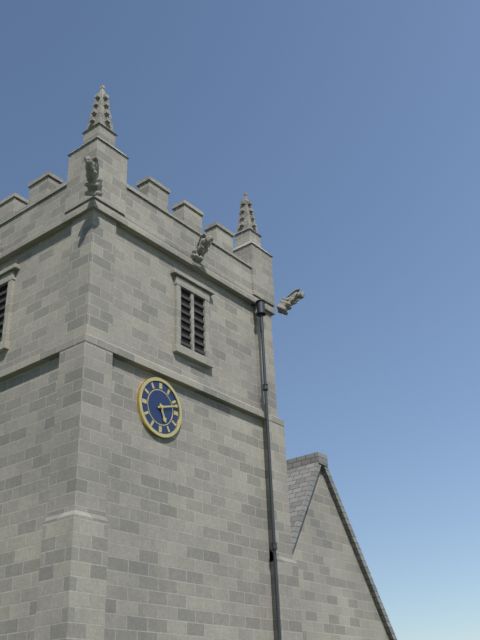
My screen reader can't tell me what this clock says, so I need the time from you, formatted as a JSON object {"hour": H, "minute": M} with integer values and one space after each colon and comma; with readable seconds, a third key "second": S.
{"hour": 5, "minute": 12}
